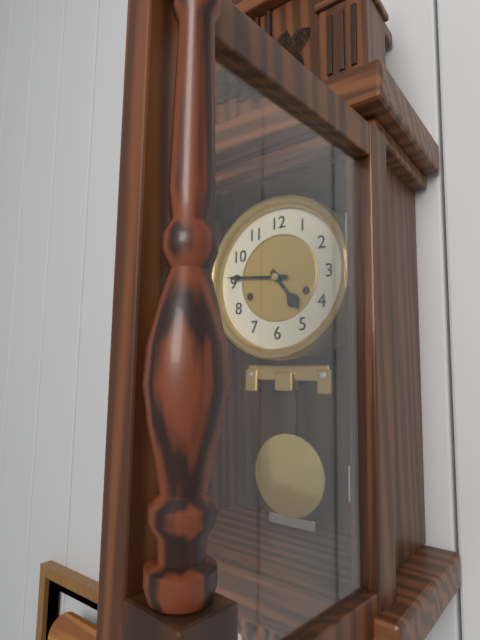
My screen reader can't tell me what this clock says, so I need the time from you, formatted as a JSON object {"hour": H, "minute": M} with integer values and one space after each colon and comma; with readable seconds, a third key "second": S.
{"hour": 4, "minute": 46}
